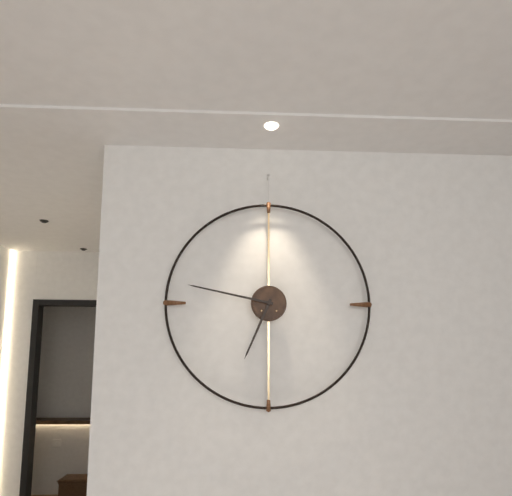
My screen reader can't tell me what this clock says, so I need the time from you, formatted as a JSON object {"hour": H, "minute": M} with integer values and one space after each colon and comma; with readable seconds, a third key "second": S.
{"hour": 6, "minute": 47}
